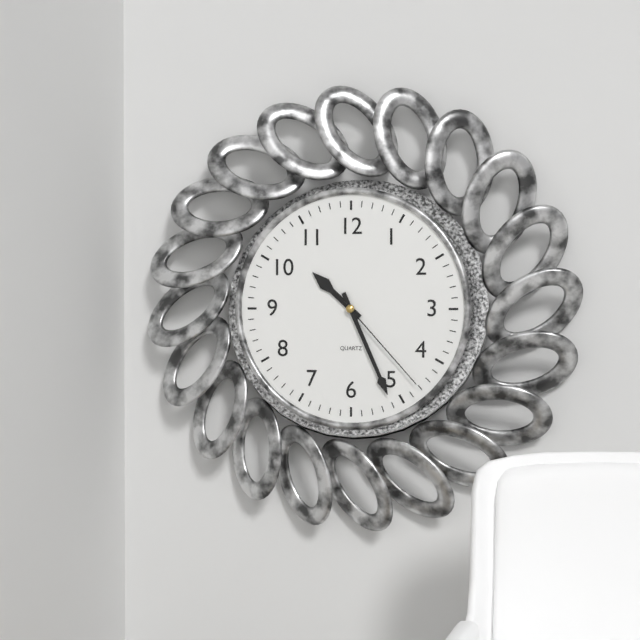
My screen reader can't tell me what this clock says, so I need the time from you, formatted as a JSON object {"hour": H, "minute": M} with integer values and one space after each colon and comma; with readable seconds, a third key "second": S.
{"hour": 10, "minute": 26, "second": 23}
